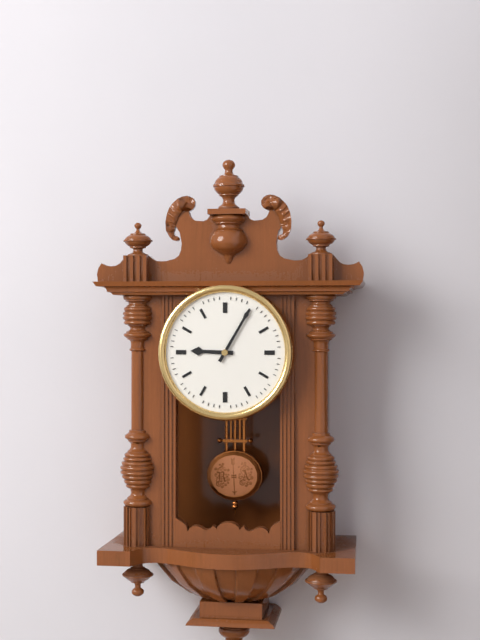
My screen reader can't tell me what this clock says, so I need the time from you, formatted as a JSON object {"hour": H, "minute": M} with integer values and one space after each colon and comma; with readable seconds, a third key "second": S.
{"hour": 9, "minute": 5}
